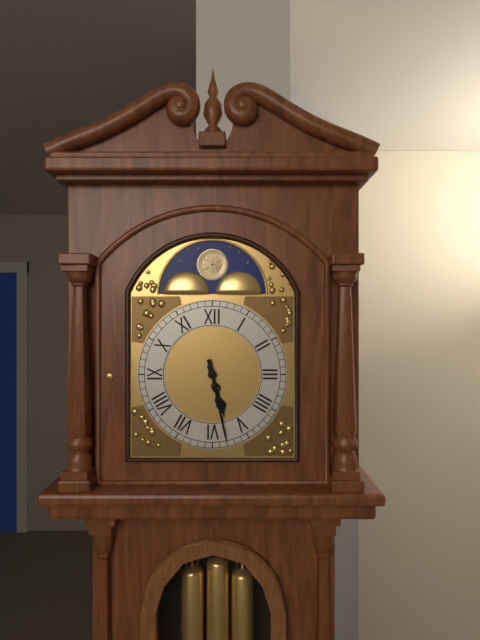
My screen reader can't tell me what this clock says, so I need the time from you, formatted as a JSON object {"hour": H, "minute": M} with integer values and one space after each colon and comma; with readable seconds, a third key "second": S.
{"hour": 5, "minute": 28}
